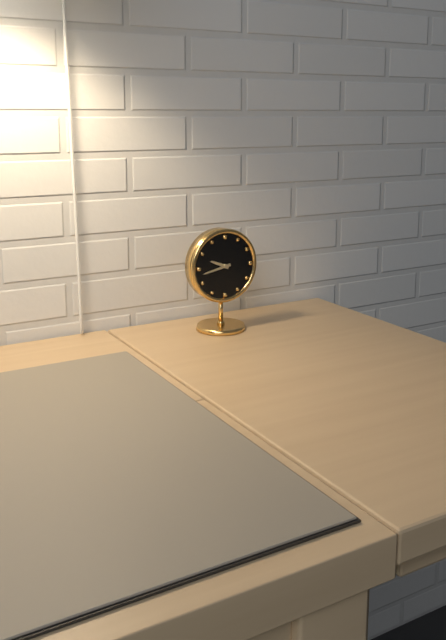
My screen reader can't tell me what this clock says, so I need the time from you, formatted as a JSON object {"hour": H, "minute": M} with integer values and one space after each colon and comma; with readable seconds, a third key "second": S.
{"hour": 9, "minute": 43}
